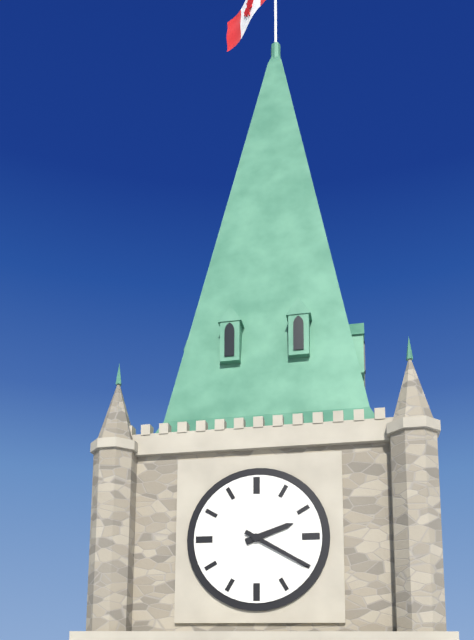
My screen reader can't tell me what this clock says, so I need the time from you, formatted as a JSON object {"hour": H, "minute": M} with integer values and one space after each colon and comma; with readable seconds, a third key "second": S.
{"hour": 2, "minute": 20}
